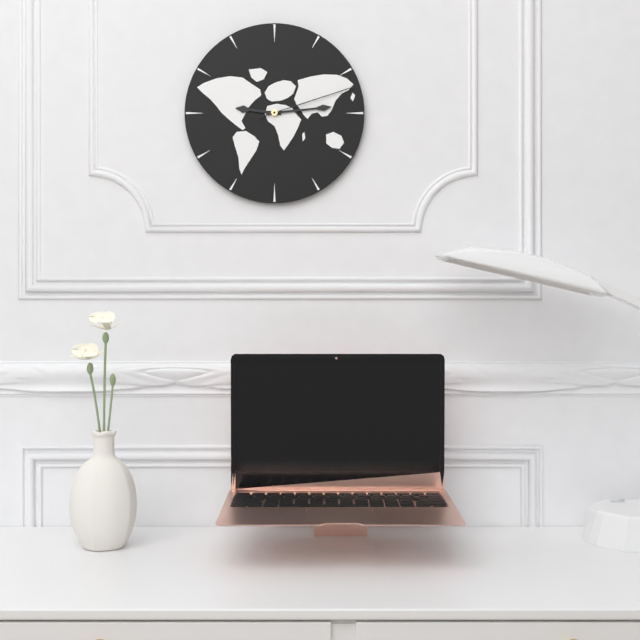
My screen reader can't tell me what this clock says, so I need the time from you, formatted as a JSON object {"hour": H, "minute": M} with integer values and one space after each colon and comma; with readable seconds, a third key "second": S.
{"hour": 9, "minute": 14, "second": 12}
